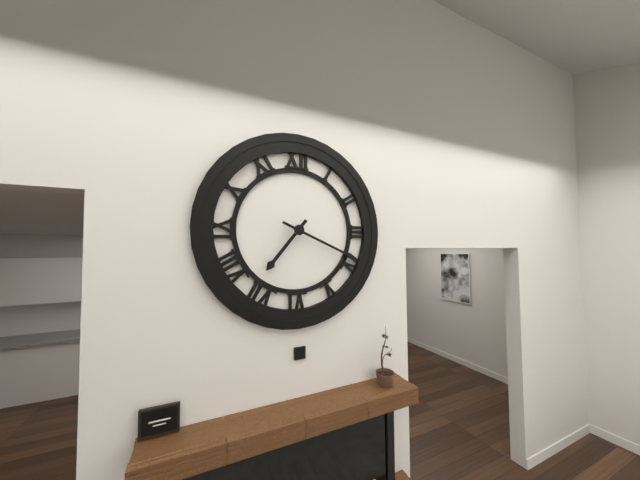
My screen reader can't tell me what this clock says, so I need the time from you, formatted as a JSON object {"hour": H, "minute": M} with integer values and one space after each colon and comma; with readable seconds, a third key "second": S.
{"hour": 7, "minute": 19}
